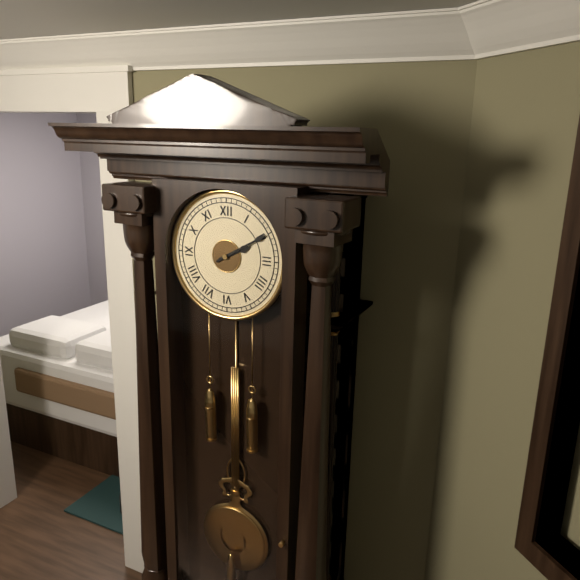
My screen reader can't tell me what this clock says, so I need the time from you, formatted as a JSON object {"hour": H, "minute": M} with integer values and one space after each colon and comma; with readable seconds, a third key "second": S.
{"hour": 2, "minute": 10}
